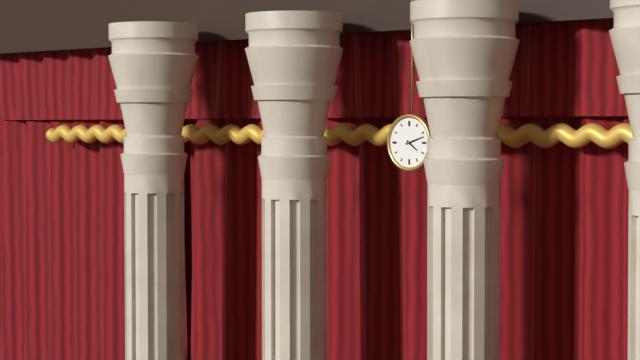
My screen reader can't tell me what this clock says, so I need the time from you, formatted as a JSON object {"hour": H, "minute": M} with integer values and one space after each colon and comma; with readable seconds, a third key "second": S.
{"hour": 4, "minute": 12}
